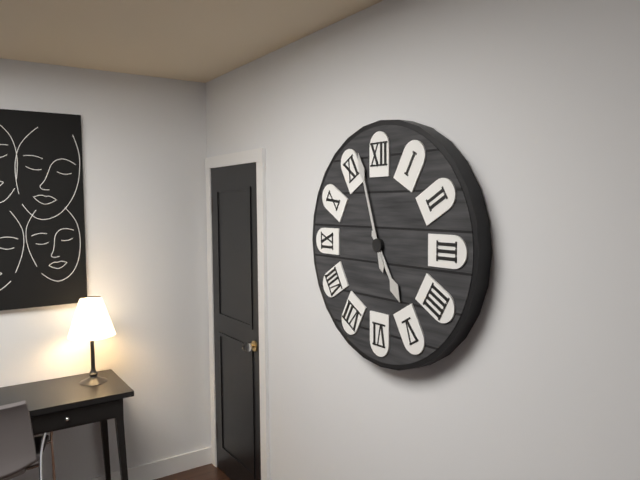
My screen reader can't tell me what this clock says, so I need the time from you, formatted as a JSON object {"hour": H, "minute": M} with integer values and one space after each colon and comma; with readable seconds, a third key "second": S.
{"hour": 4, "minute": 57}
